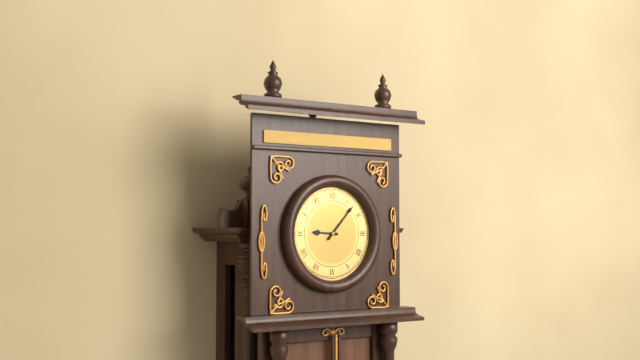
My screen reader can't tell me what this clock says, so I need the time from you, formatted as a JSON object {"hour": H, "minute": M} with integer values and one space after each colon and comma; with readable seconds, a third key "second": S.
{"hour": 9, "minute": 7}
